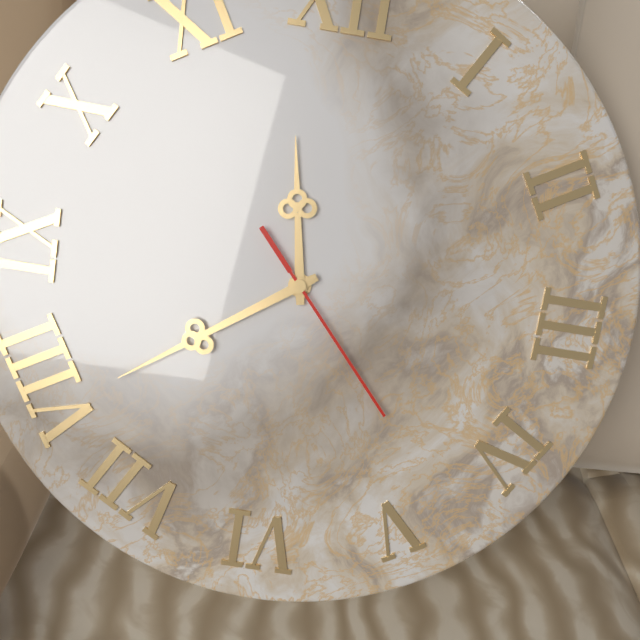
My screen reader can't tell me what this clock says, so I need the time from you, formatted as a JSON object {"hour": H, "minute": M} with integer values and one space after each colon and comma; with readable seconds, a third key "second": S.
{"hour": 11, "minute": 39, "second": 23}
